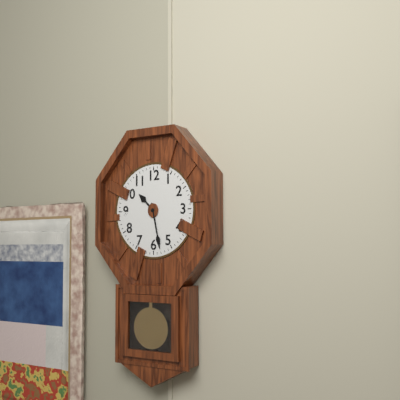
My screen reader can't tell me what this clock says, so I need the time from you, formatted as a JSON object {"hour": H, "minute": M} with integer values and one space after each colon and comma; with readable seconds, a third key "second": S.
{"hour": 10, "minute": 28}
